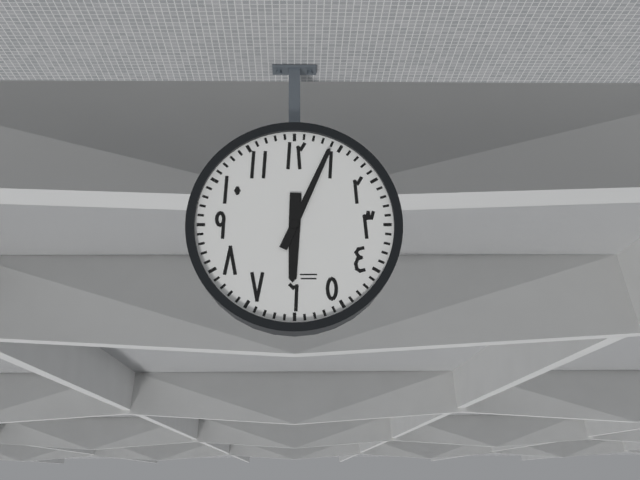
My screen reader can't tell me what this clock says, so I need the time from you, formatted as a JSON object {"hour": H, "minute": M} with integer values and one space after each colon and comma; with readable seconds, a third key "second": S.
{"hour": 6, "minute": 4}
